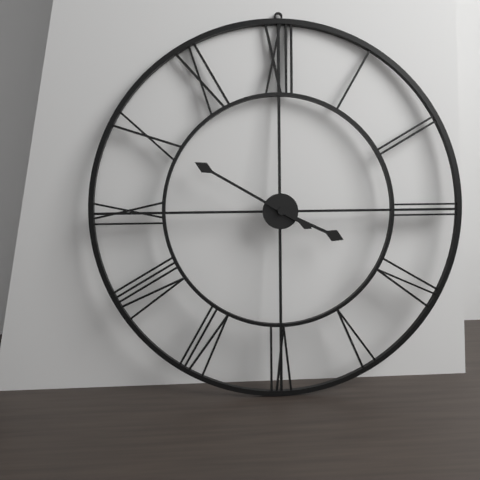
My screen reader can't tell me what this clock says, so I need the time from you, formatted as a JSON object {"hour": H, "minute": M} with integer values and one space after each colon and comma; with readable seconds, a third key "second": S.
{"hour": 3, "minute": 50}
